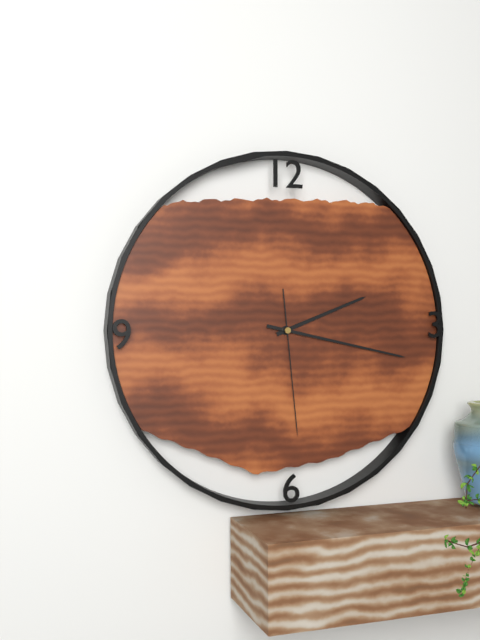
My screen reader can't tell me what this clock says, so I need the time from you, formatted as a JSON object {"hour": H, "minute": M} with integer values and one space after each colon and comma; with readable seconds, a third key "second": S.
{"hour": 2, "minute": 17, "second": 29}
